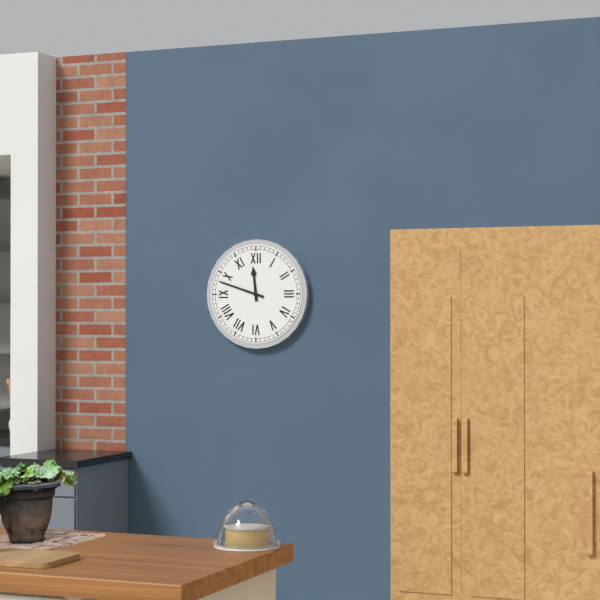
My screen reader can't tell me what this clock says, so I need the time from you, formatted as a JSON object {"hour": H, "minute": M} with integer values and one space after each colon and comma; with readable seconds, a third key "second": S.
{"hour": 11, "minute": 48}
